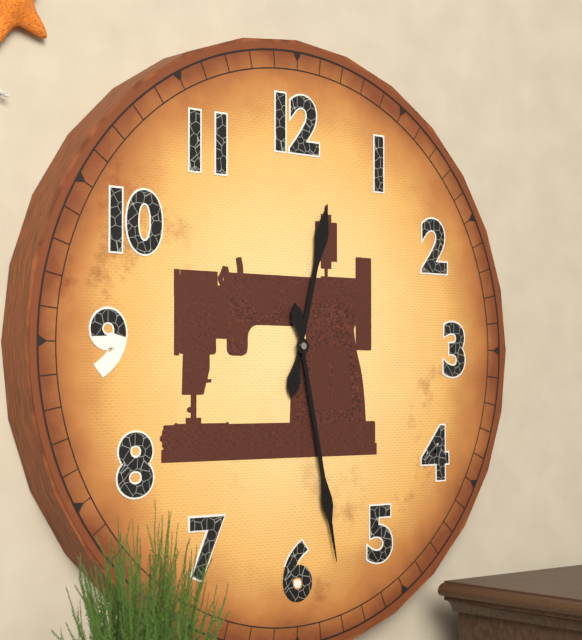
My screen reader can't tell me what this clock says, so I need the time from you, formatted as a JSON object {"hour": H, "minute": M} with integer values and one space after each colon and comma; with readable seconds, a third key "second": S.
{"hour": 12, "minute": 28}
